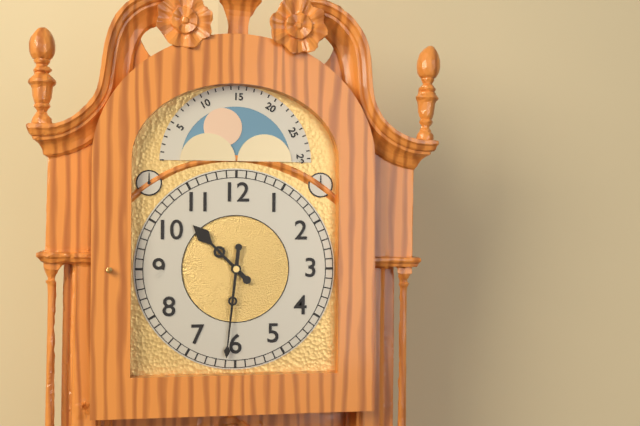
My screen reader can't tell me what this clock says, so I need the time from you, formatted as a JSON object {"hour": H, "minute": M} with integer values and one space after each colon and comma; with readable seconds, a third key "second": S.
{"hour": 10, "minute": 31}
